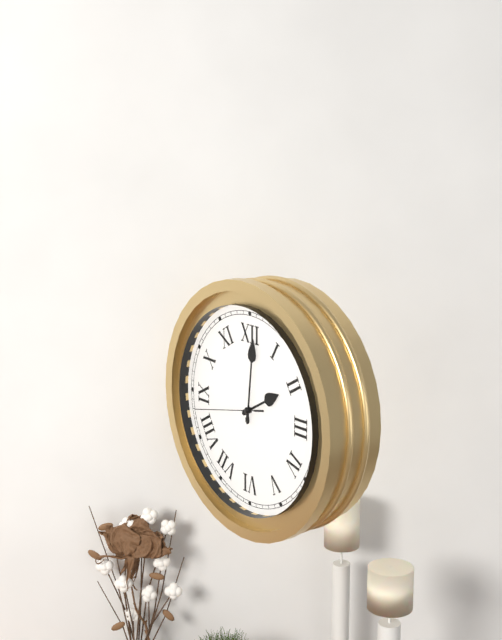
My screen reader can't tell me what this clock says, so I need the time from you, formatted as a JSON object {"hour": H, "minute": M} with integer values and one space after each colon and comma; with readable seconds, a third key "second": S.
{"hour": 2, "minute": 1, "second": 43}
